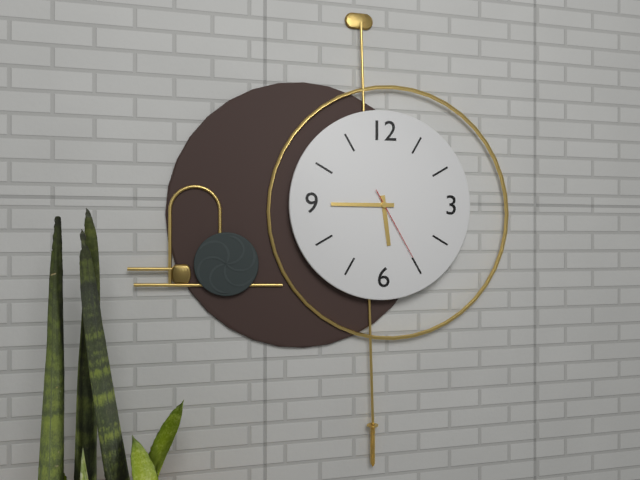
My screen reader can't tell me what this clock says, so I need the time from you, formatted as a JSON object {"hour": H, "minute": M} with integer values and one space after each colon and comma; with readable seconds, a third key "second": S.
{"hour": 5, "minute": 45, "second": 25}
